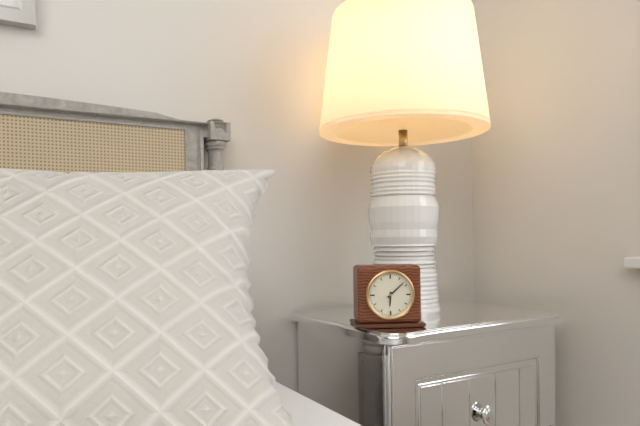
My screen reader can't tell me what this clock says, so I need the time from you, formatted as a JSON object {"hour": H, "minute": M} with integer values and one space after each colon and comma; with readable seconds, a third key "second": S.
{"hour": 6, "minute": 8}
